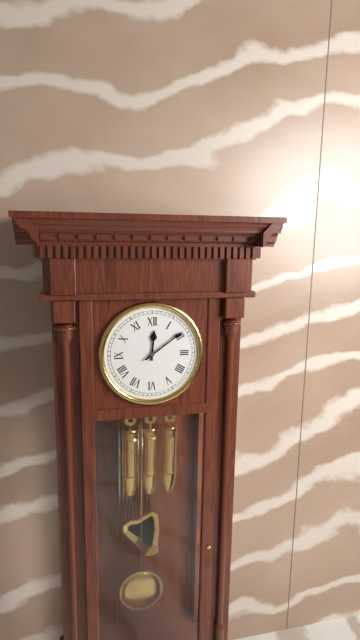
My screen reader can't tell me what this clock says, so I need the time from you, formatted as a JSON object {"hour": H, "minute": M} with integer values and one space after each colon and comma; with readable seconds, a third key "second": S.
{"hour": 12, "minute": 9}
